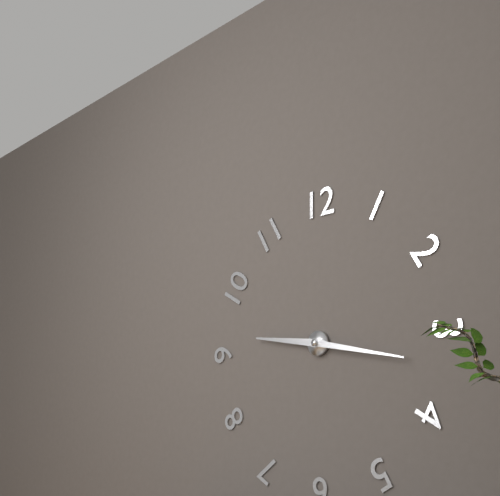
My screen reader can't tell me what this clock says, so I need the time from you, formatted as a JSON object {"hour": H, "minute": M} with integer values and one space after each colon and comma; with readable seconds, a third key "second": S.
{"hour": 9, "minute": 17}
